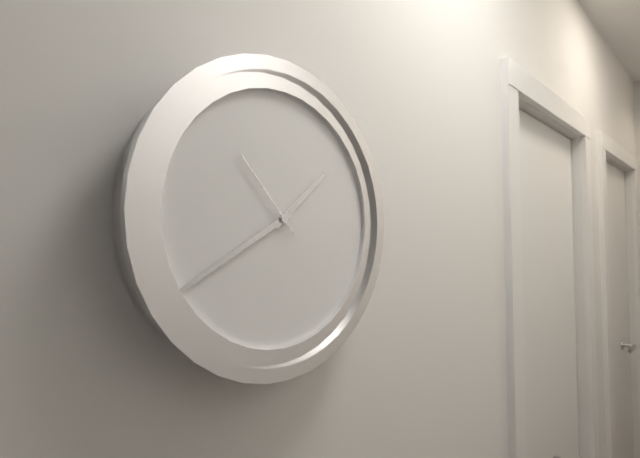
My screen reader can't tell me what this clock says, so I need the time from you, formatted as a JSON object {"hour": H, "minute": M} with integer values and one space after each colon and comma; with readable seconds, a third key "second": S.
{"hour": 1, "minute": 40, "second": 53}
